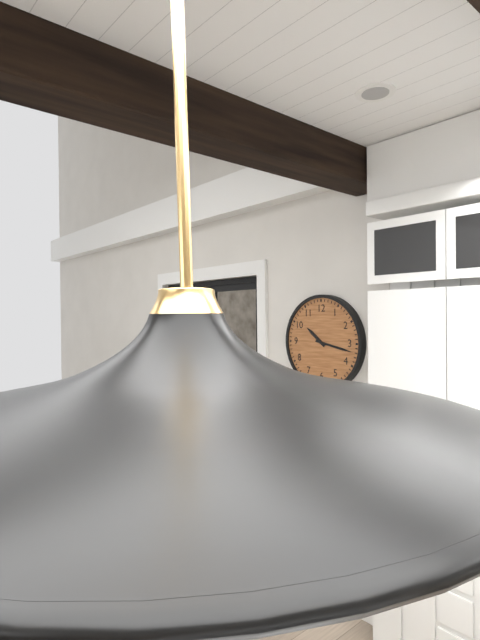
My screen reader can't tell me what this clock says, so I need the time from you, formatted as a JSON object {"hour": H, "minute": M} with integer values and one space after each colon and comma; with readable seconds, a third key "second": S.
{"hour": 10, "minute": 17}
